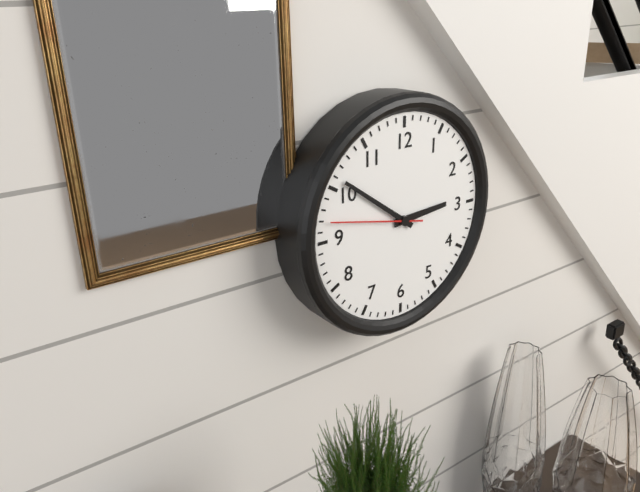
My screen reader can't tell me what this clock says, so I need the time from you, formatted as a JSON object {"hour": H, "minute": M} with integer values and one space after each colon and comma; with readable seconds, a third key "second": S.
{"hour": 2, "minute": 51, "second": 47}
